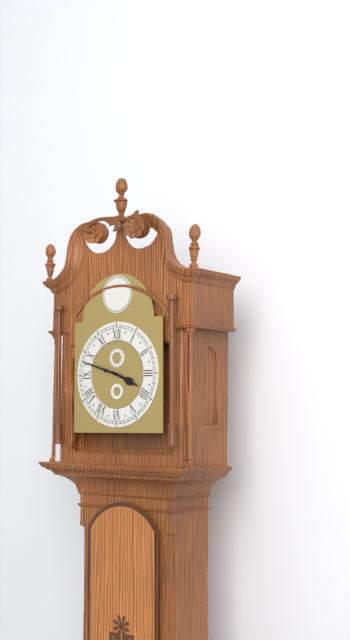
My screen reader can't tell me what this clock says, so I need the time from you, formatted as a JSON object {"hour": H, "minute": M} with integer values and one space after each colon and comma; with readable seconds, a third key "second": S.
{"hour": 3, "minute": 48}
